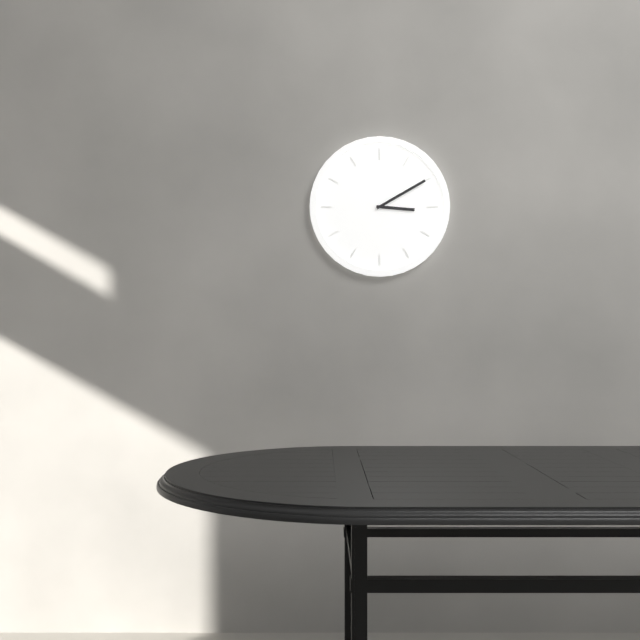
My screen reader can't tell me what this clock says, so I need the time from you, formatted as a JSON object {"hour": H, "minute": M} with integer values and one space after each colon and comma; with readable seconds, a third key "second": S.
{"hour": 3, "minute": 10}
